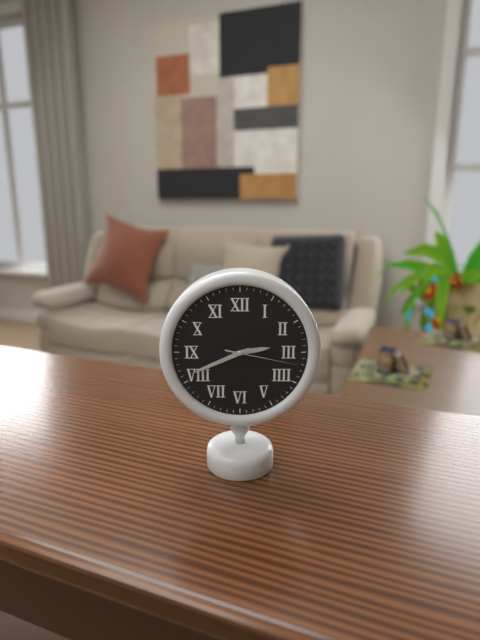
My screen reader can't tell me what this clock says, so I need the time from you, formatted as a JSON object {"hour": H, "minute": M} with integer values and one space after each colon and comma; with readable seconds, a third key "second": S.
{"hour": 2, "minute": 41, "second": 17}
